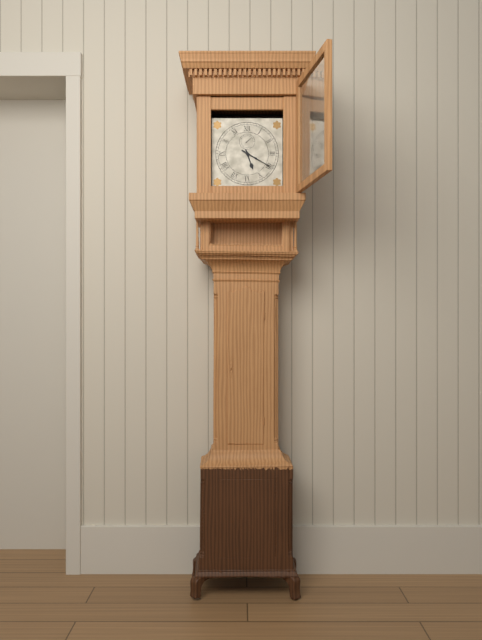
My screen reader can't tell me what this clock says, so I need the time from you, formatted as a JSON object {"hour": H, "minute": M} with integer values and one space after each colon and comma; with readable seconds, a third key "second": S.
{"hour": 5, "minute": 20}
